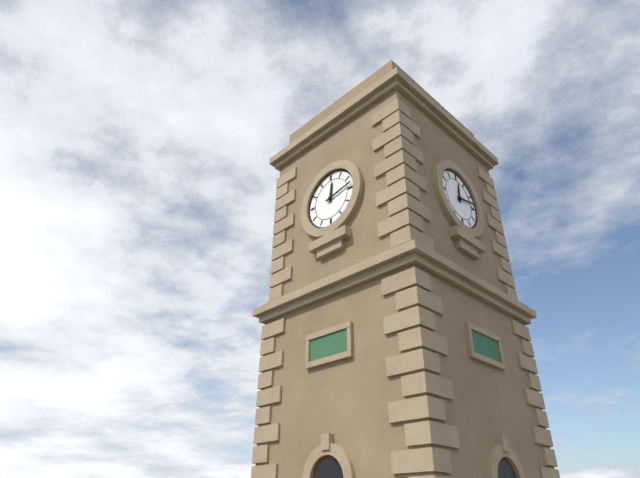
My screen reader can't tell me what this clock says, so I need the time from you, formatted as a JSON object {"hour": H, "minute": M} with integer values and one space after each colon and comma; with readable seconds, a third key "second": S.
{"hour": 12, "minute": 13}
